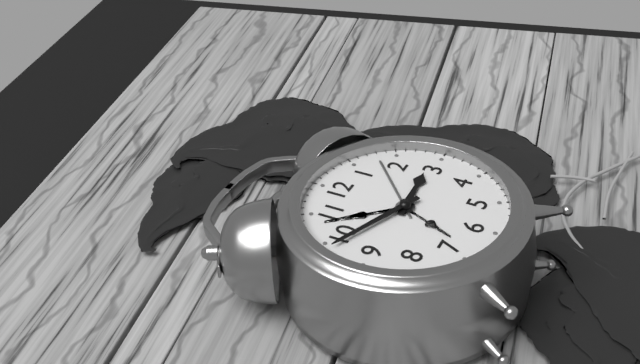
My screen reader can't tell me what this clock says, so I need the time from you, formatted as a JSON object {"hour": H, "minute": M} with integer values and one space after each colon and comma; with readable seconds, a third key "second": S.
{"hour": 2, "minute": 49}
